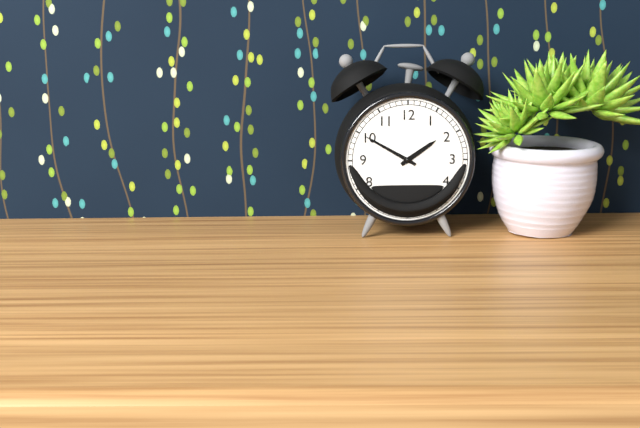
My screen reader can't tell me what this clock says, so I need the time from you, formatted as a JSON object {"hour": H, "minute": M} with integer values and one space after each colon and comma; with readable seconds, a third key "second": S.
{"hour": 1, "minute": 50}
